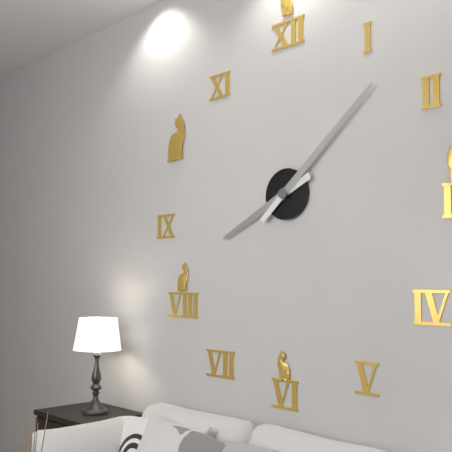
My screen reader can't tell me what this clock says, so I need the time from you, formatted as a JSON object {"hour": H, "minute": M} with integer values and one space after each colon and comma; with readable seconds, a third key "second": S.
{"hour": 8, "minute": 8}
